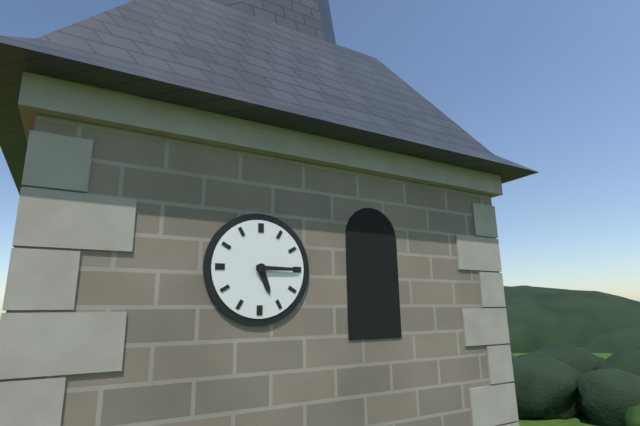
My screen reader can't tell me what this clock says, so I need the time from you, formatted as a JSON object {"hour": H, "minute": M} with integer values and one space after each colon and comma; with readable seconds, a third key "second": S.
{"hour": 5, "minute": 15}
